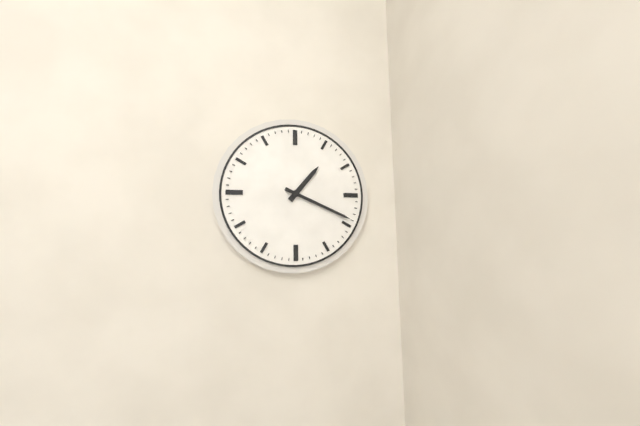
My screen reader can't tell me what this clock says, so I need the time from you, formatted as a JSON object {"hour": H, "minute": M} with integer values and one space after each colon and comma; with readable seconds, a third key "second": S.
{"hour": 1, "minute": 19}
